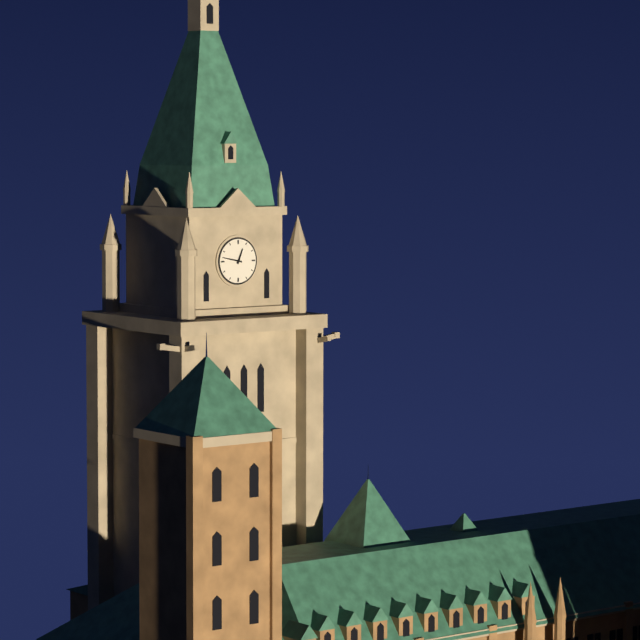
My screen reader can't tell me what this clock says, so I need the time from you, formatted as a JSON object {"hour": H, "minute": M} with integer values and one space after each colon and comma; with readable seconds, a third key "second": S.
{"hour": 12, "minute": 47}
